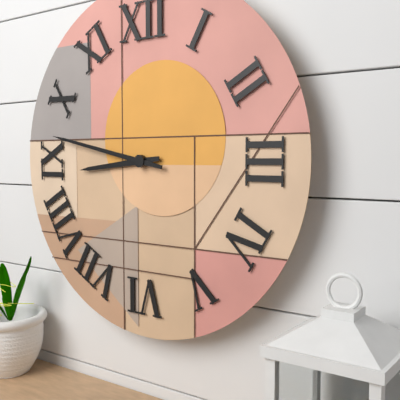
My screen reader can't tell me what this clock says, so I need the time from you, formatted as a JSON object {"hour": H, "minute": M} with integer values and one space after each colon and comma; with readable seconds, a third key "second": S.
{"hour": 8, "minute": 47}
